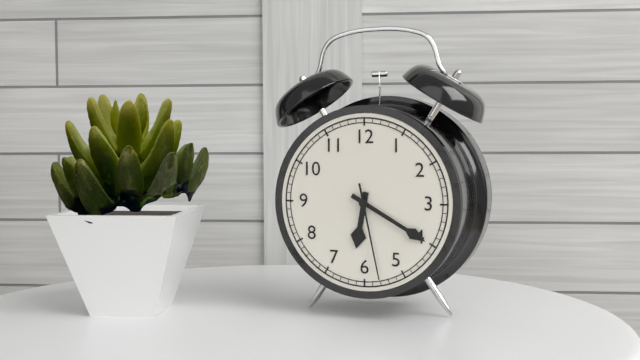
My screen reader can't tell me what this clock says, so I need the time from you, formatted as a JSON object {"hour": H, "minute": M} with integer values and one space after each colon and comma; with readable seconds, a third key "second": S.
{"hour": 6, "minute": 20, "second": 28}
